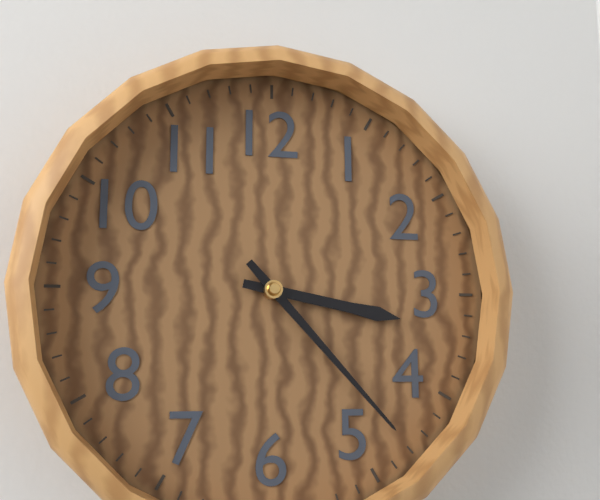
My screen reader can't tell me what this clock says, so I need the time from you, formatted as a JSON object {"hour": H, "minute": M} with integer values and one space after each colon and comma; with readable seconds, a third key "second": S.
{"hour": 3, "minute": 23}
